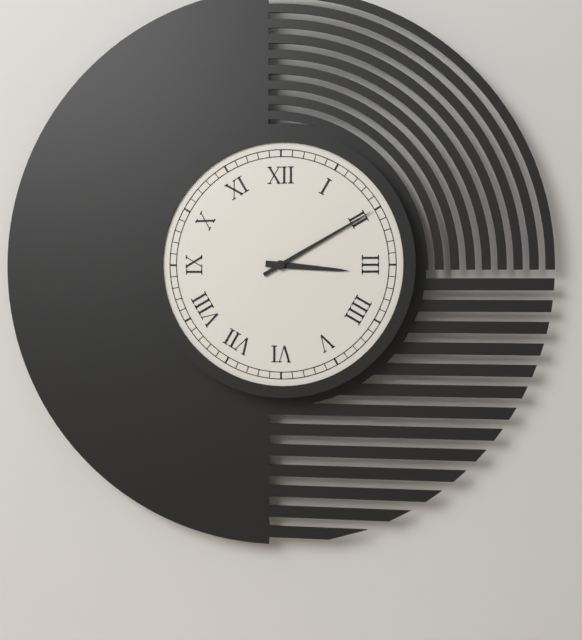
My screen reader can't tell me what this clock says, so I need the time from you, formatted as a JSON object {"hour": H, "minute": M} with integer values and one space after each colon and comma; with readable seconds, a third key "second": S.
{"hour": 3, "minute": 10}
